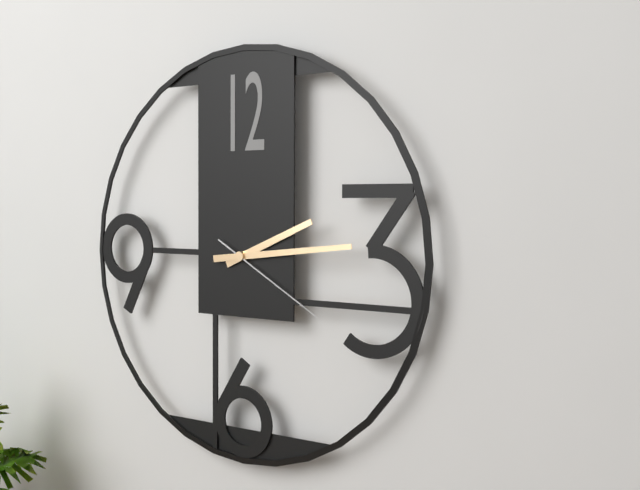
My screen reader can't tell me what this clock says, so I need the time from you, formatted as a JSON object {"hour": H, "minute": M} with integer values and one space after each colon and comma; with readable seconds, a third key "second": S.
{"hour": 2, "minute": 14, "second": 20}
